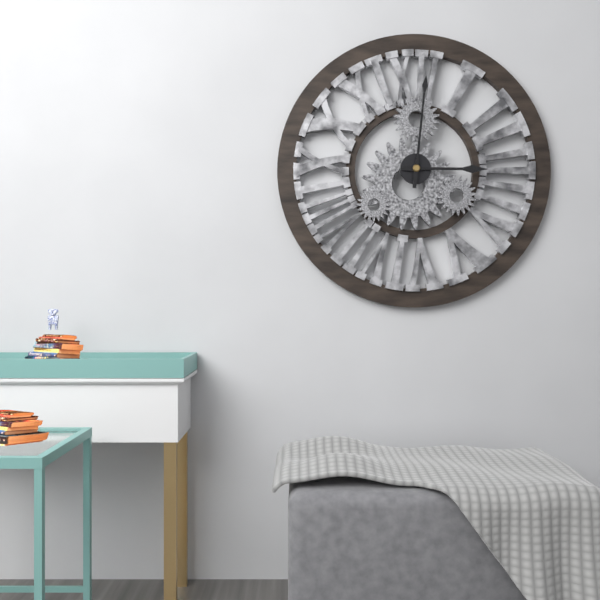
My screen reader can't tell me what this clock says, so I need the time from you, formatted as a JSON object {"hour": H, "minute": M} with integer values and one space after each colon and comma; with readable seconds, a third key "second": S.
{"hour": 3, "minute": 1}
